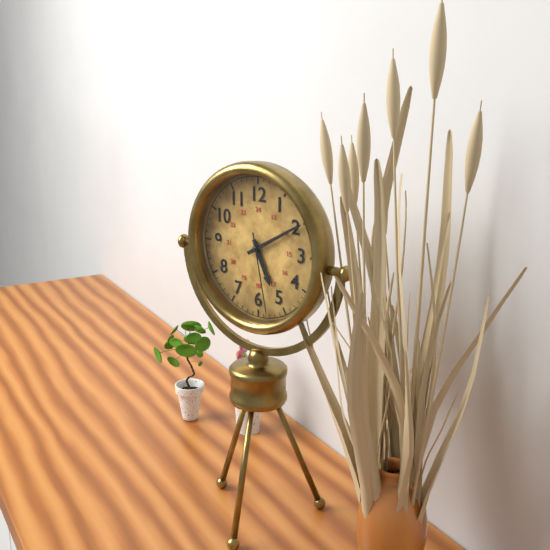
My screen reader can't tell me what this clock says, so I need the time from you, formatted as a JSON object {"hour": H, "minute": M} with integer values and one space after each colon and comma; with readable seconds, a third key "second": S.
{"hour": 5, "minute": 10, "second": 28}
